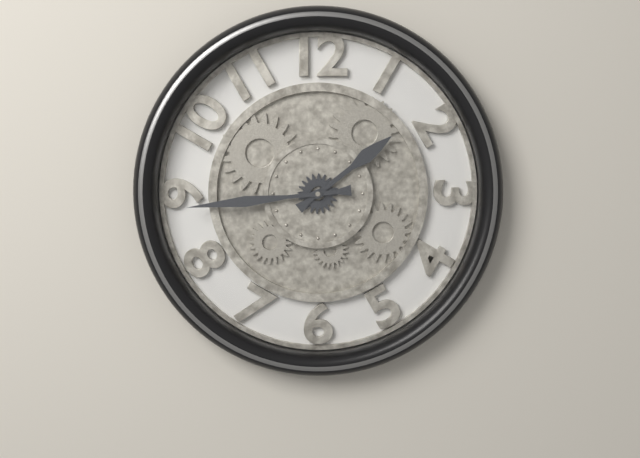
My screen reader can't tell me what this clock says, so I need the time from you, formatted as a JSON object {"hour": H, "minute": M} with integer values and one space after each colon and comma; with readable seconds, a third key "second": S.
{"hour": 1, "minute": 44}
